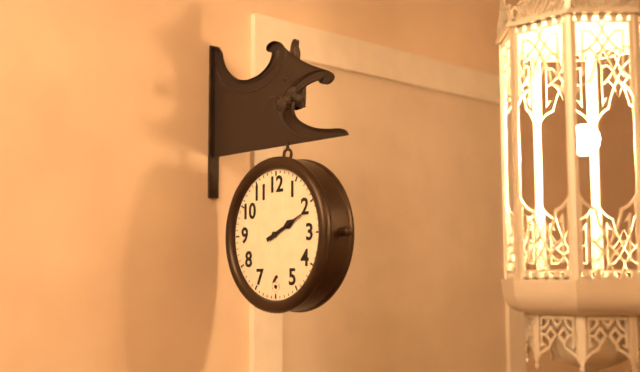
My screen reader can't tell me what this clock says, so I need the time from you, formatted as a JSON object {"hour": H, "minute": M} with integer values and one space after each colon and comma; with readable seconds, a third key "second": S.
{"hour": 2, "minute": 11}
